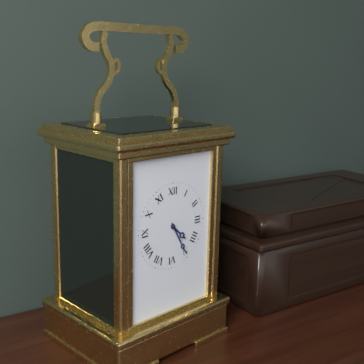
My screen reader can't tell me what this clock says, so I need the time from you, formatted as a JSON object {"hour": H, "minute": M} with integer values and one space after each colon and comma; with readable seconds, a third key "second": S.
{"hour": 4, "minute": 25}
